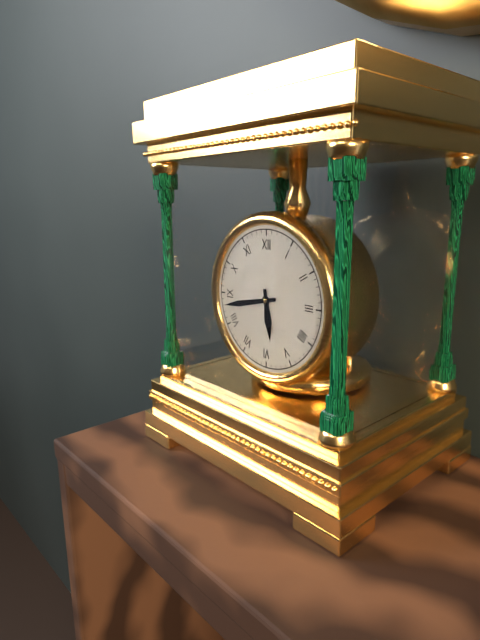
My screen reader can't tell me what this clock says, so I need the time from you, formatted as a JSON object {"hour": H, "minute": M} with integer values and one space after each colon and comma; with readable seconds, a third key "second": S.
{"hour": 5, "minute": 43}
